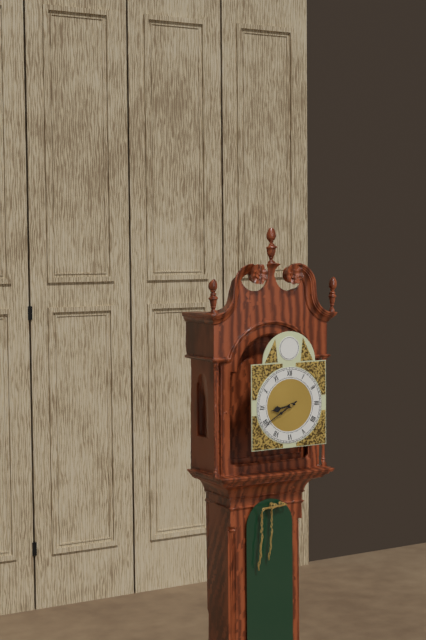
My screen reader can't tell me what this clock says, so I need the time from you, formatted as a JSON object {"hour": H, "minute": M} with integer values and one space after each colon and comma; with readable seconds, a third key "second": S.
{"hour": 8, "minute": 40}
